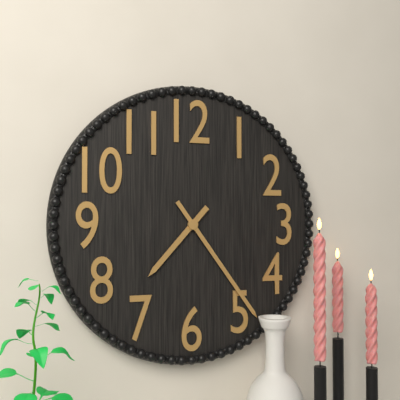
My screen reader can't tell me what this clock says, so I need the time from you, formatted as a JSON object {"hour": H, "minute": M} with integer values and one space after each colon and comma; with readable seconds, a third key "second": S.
{"hour": 7, "minute": 24}
